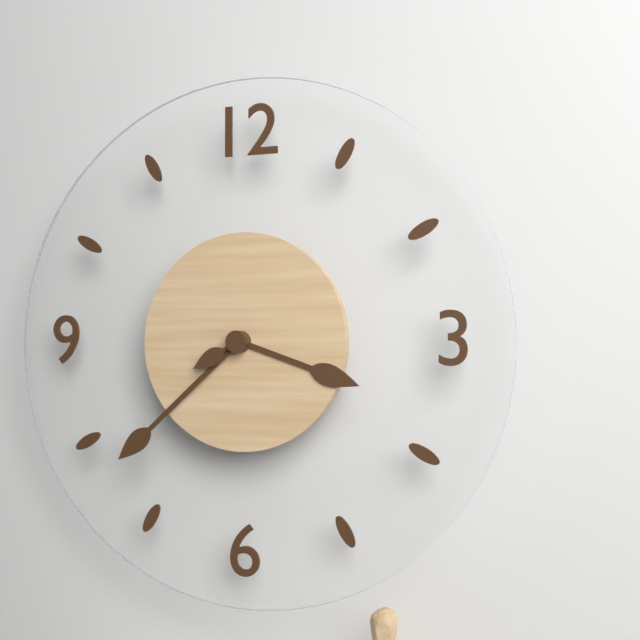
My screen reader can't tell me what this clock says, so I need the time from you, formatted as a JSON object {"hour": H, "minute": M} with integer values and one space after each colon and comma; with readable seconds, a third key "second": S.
{"hour": 3, "minute": 38, "second": 40}
